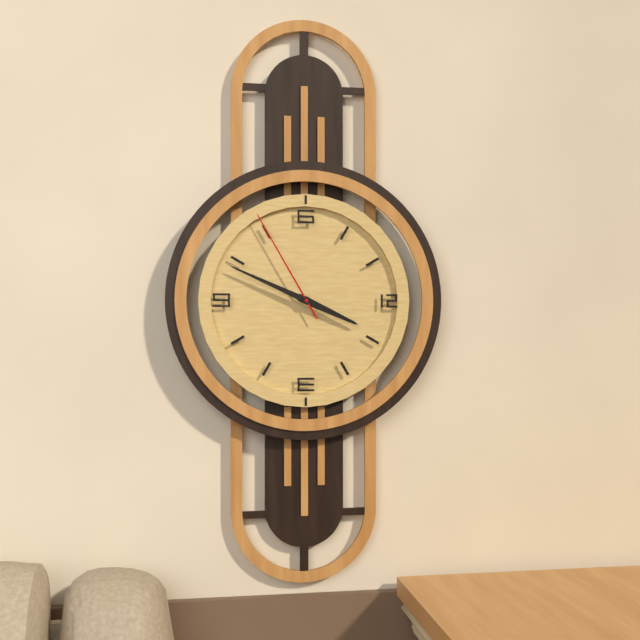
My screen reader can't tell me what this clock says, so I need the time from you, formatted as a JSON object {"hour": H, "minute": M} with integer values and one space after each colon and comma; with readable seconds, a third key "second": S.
{"hour": 3, "minute": 49, "second": 55}
